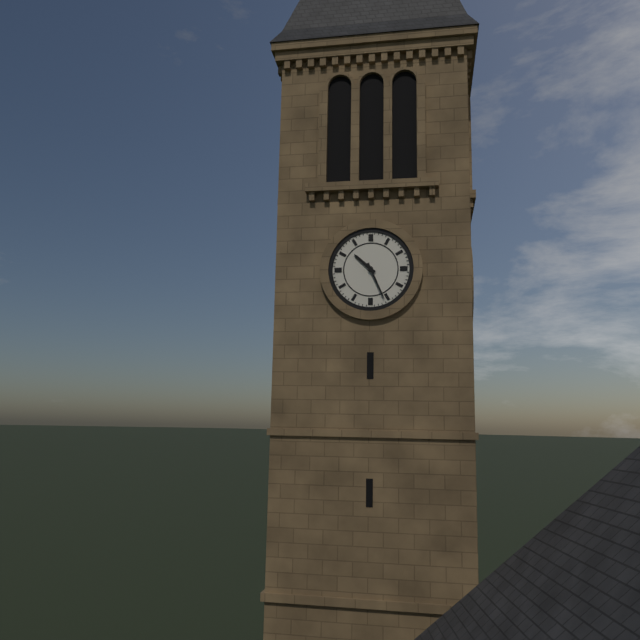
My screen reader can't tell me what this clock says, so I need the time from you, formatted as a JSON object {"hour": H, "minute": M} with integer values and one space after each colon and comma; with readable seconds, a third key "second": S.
{"hour": 10, "minute": 26}
